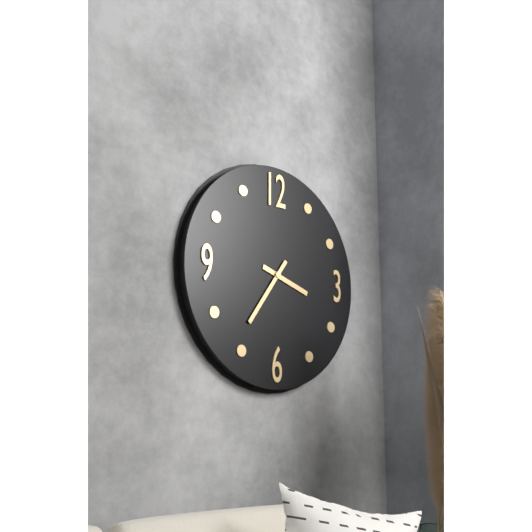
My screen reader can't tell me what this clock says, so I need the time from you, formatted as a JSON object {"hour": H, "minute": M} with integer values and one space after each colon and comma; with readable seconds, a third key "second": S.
{"hour": 3, "minute": 36}
